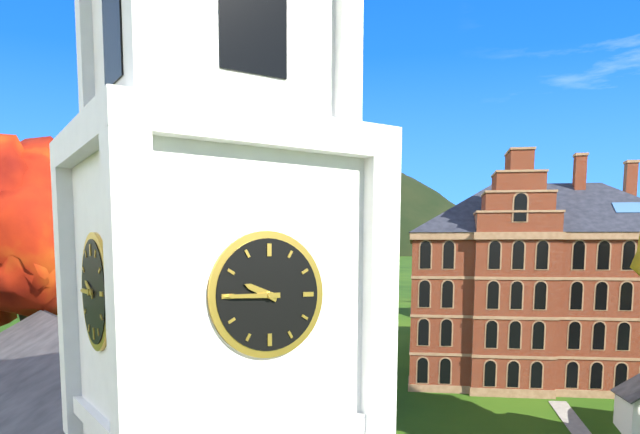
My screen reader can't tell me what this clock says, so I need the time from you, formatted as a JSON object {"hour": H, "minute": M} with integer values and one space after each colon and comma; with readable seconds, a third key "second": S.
{"hour": 9, "minute": 45}
